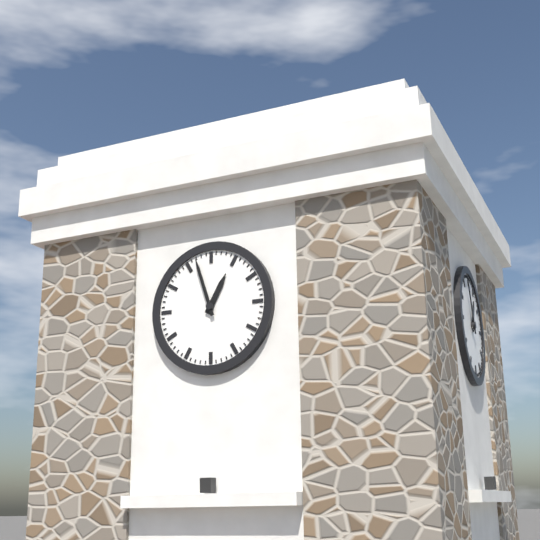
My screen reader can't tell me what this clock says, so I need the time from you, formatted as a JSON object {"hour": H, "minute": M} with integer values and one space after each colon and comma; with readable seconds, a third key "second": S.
{"hour": 12, "minute": 57}
